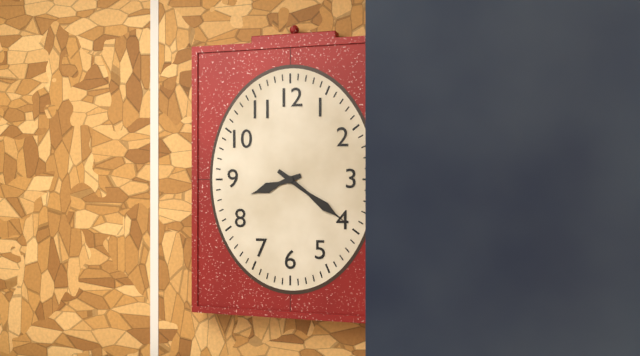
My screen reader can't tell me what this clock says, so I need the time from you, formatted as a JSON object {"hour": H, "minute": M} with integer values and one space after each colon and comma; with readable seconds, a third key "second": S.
{"hour": 8, "minute": 21}
